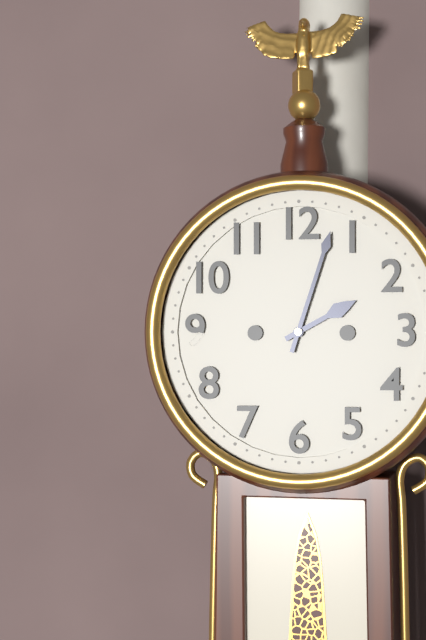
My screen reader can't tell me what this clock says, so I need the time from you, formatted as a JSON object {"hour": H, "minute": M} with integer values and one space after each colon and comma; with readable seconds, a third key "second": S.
{"hour": 2, "minute": 3}
